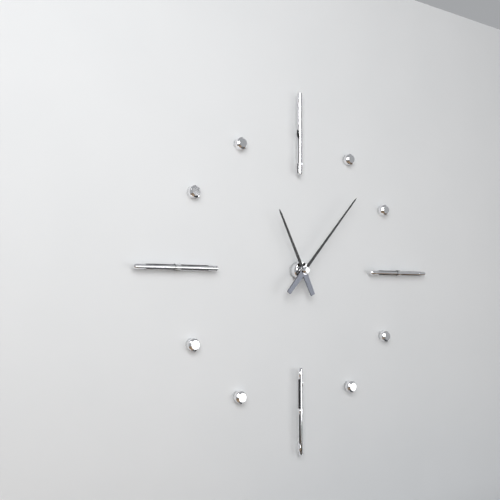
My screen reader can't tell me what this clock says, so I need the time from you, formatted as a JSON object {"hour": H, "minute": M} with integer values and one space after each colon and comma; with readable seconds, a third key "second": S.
{"hour": 11, "minute": 7}
